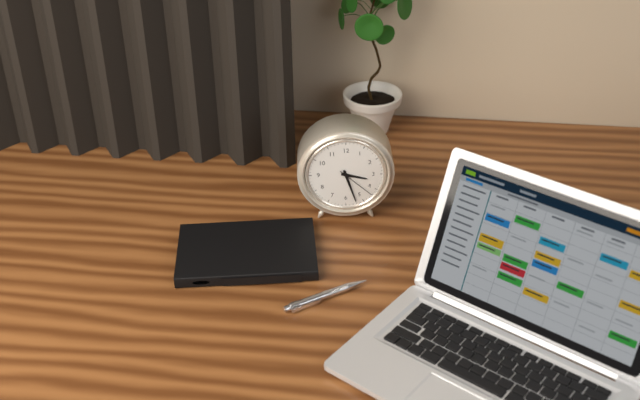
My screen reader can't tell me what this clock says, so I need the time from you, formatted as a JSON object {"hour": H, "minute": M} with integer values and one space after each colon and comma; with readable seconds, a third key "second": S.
{"hour": 3, "minute": 27}
